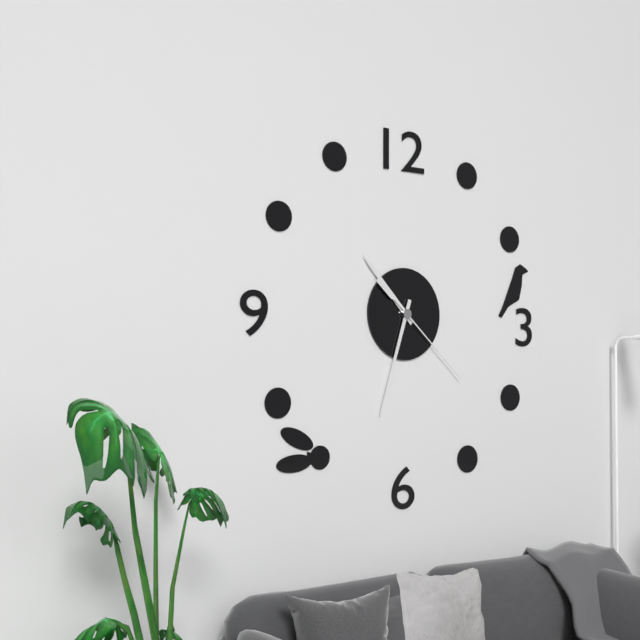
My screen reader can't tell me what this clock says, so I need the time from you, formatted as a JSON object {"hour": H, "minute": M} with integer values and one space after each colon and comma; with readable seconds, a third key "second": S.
{"hour": 10, "minute": 33, "second": 22}
